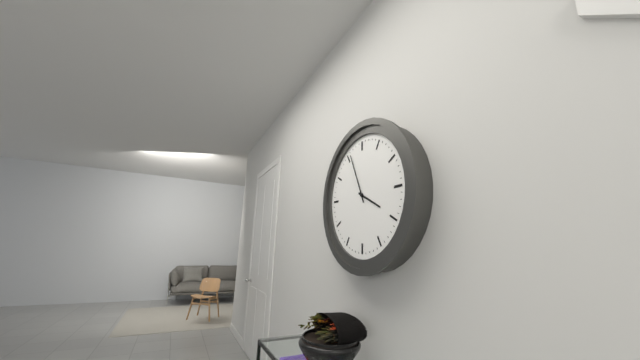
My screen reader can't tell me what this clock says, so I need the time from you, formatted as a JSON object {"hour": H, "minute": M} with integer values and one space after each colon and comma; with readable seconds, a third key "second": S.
{"hour": 3, "minute": 56}
